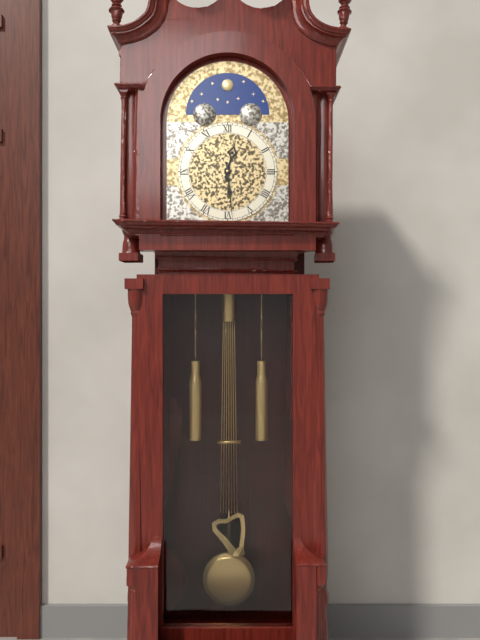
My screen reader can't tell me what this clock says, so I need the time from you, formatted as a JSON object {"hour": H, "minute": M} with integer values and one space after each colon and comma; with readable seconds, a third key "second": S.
{"hour": 12, "minute": 29}
